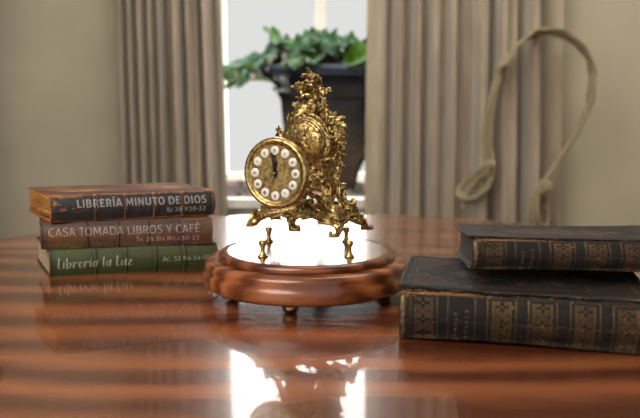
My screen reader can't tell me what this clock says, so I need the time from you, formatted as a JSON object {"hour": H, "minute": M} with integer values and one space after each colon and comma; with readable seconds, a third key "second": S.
{"hour": 11, "minute": 59}
